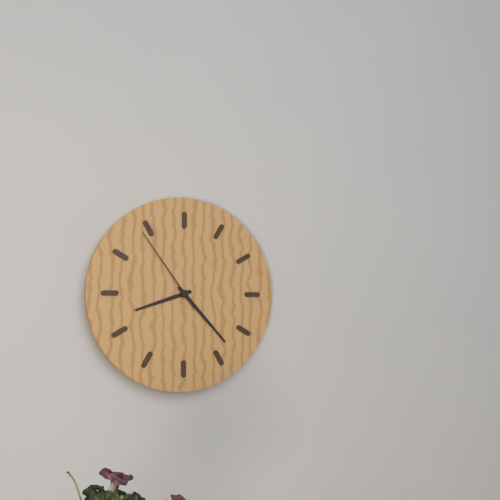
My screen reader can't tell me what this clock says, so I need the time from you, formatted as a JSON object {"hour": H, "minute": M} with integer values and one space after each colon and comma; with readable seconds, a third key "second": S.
{"hour": 8, "minute": 23, "second": 54}
